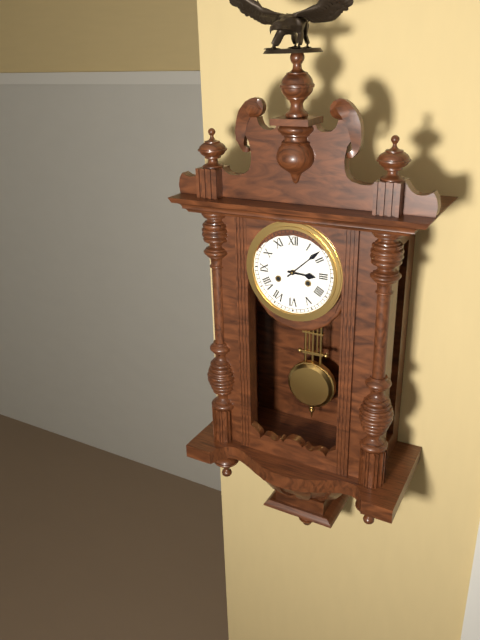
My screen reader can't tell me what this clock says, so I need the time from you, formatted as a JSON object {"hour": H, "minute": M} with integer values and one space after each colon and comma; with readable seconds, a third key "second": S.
{"hour": 3, "minute": 8}
